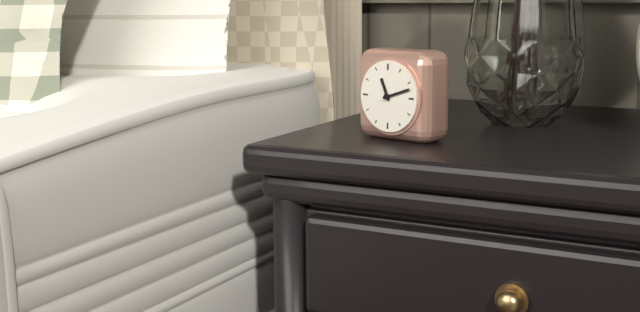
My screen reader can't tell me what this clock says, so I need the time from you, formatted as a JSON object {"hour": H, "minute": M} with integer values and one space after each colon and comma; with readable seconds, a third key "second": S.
{"hour": 11, "minute": 12}
